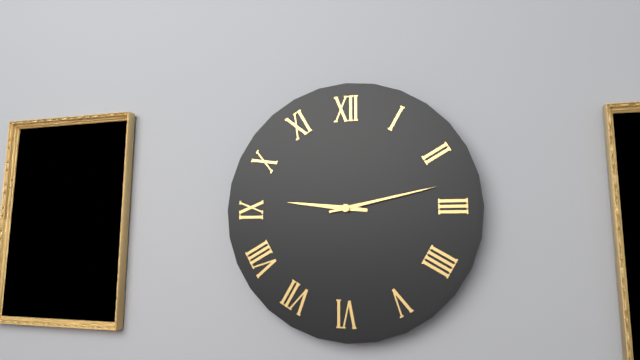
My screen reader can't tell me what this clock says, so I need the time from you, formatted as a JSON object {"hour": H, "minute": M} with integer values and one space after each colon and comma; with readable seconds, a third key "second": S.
{"hour": 9, "minute": 13}
